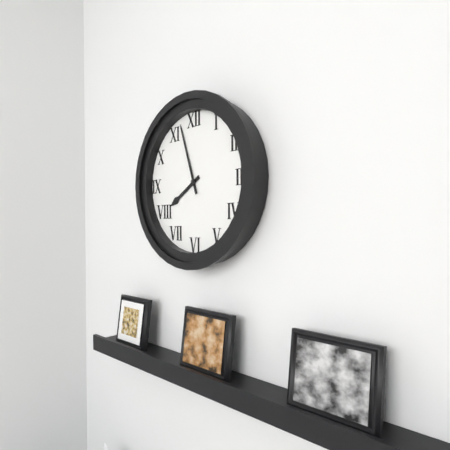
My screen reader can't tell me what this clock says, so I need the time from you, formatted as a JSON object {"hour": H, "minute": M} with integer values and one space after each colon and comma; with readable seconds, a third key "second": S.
{"hour": 7, "minute": 57}
